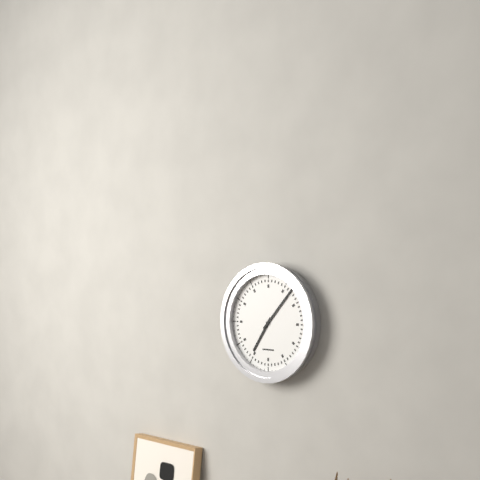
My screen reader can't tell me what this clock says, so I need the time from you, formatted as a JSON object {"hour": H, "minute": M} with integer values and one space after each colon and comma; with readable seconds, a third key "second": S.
{"hour": 7, "minute": 7}
